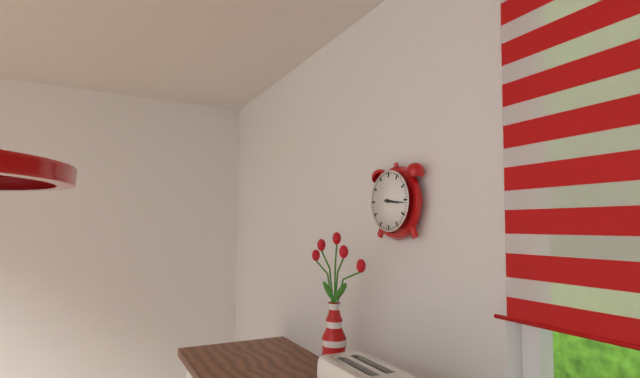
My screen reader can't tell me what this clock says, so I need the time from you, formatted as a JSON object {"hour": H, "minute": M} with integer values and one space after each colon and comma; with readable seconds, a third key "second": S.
{"hour": 3, "minute": 16}
